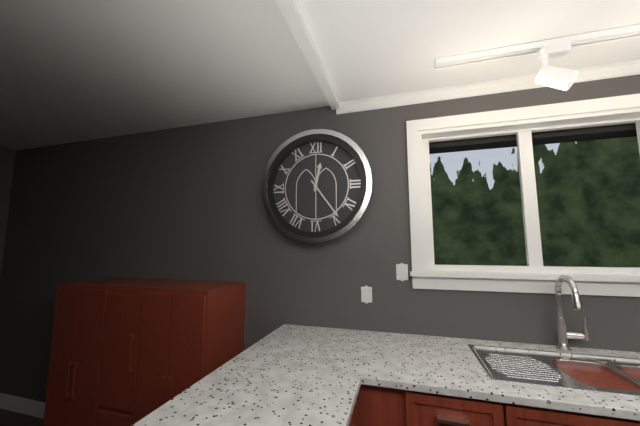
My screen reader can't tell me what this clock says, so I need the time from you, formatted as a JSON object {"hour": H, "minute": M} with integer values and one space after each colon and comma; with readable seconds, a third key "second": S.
{"hour": 12, "minute": 24}
